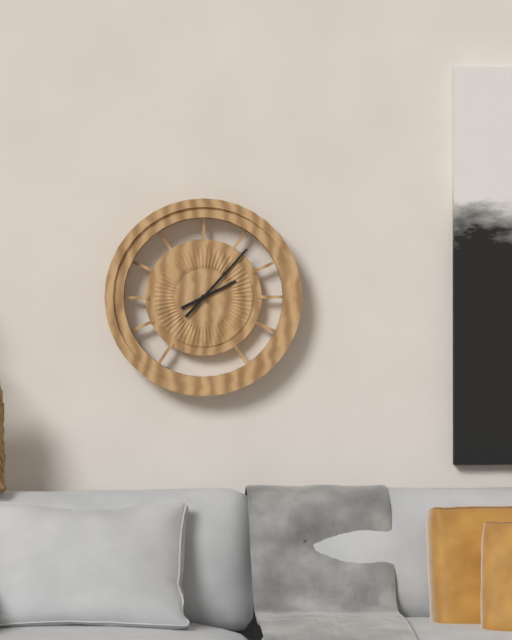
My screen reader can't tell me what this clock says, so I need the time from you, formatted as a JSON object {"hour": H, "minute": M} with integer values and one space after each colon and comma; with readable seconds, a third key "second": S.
{"hour": 2, "minute": 7}
